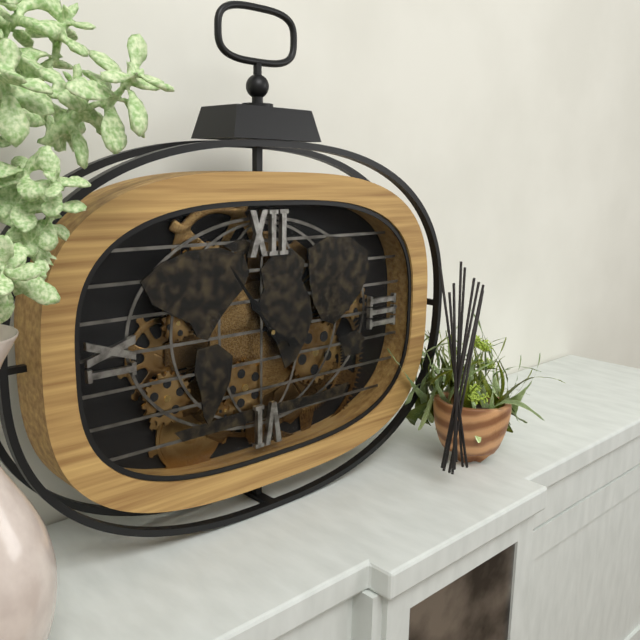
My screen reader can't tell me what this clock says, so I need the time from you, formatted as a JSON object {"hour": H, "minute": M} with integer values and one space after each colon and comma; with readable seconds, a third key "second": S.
{"hour": 3, "minute": 54}
